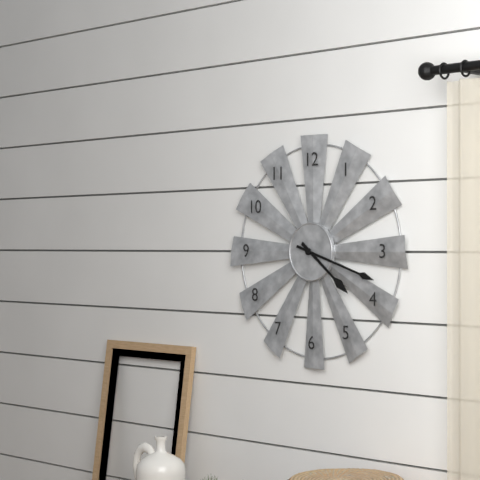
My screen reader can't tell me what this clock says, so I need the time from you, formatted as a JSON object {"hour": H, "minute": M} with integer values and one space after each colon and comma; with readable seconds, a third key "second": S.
{"hour": 4, "minute": 18}
